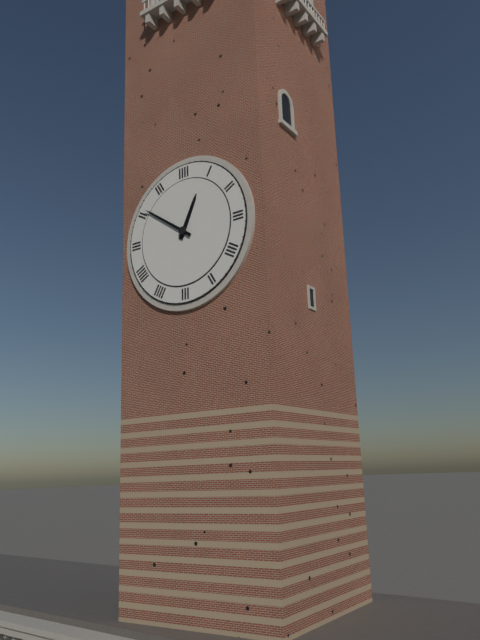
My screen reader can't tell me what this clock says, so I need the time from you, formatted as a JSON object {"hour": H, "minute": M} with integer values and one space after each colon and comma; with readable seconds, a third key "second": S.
{"hour": 12, "minute": 51}
